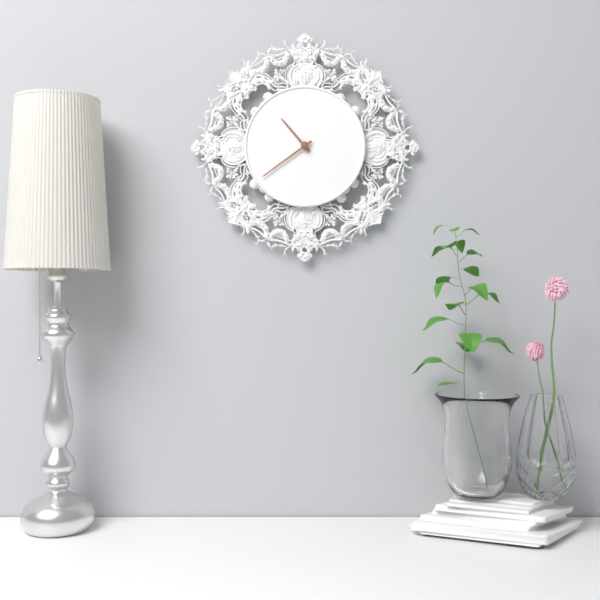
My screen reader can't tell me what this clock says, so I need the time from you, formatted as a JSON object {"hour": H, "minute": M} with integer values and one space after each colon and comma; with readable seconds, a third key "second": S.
{"hour": 10, "minute": 39}
